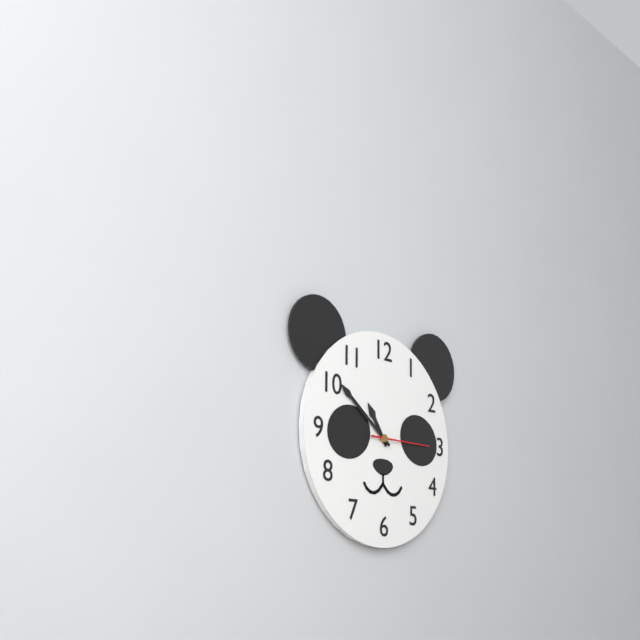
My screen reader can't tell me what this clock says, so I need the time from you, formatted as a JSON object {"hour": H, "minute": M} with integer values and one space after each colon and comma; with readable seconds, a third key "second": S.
{"hour": 10, "minute": 51, "second": 15}
